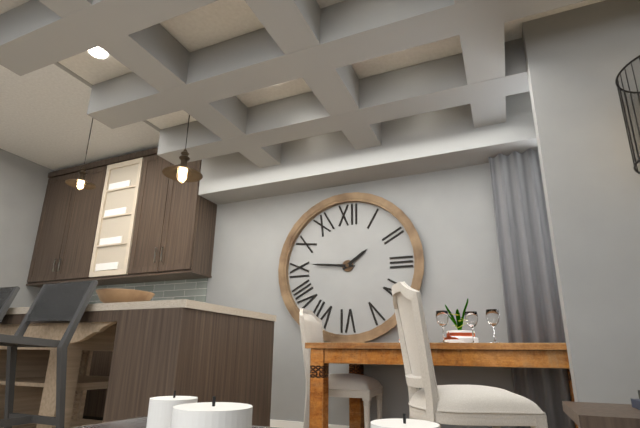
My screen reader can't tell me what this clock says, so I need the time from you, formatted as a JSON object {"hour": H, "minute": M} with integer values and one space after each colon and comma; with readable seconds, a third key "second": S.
{"hour": 1, "minute": 46}
